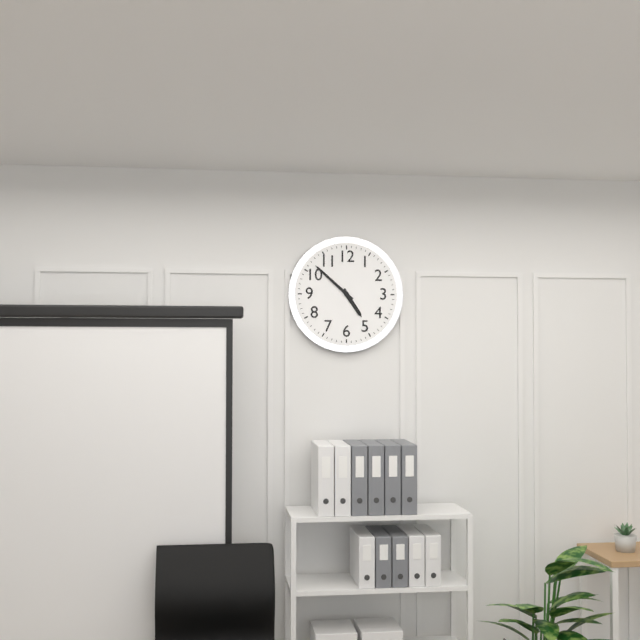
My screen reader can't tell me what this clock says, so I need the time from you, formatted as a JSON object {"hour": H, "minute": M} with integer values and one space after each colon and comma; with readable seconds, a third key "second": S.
{"hour": 4, "minute": 52}
